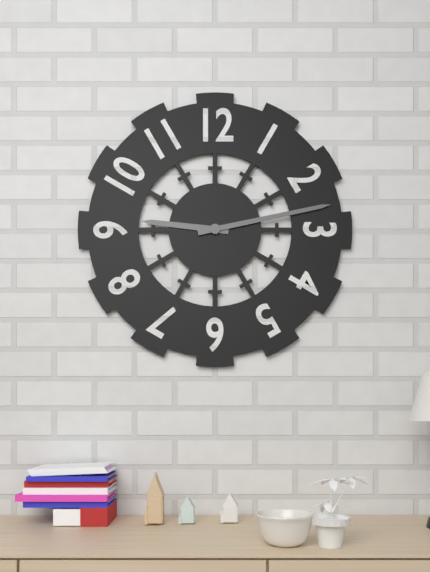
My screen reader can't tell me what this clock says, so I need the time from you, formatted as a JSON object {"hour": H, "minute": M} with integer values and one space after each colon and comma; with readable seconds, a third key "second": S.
{"hour": 9, "minute": 13}
